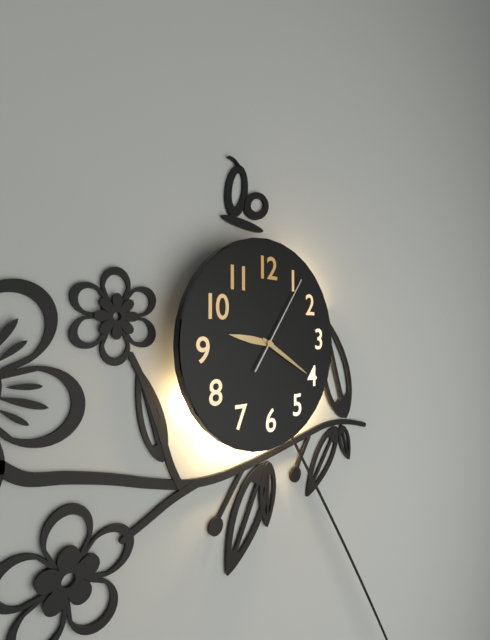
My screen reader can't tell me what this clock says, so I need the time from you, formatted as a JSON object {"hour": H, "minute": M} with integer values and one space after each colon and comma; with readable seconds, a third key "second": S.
{"hour": 9, "minute": 20, "second": 6}
